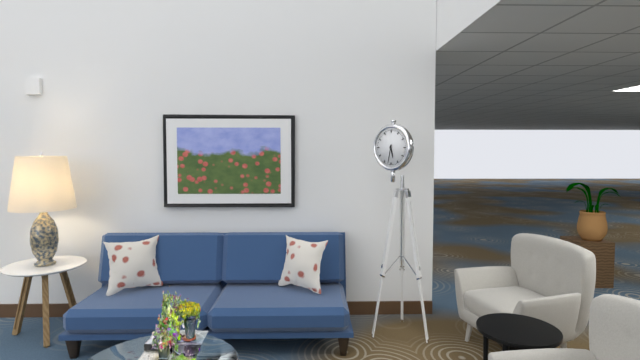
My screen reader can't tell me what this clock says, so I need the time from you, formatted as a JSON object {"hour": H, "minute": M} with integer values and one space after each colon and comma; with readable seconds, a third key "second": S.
{"hour": 5, "minute": 32}
